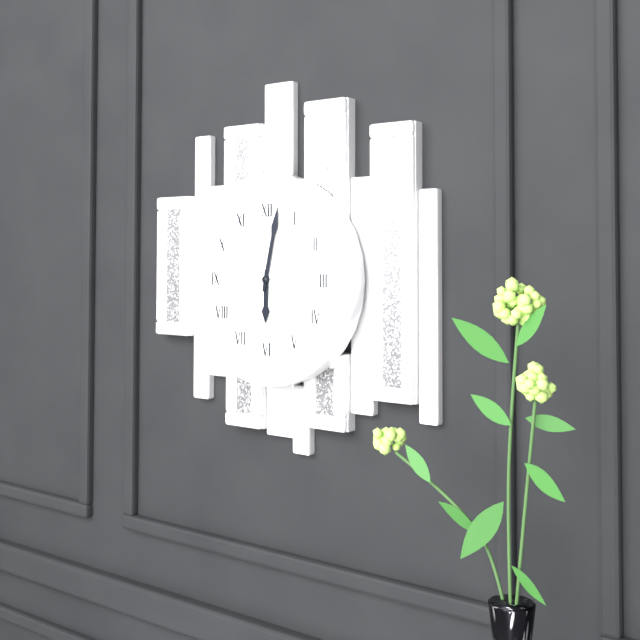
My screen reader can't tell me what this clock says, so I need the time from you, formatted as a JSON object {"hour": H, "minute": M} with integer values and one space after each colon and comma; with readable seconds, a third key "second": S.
{"hour": 6, "minute": 2}
